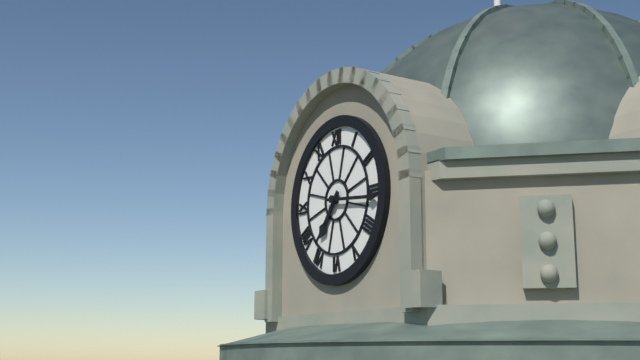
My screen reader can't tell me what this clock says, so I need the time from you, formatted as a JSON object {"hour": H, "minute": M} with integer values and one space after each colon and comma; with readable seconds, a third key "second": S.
{"hour": 7, "minute": 16}
